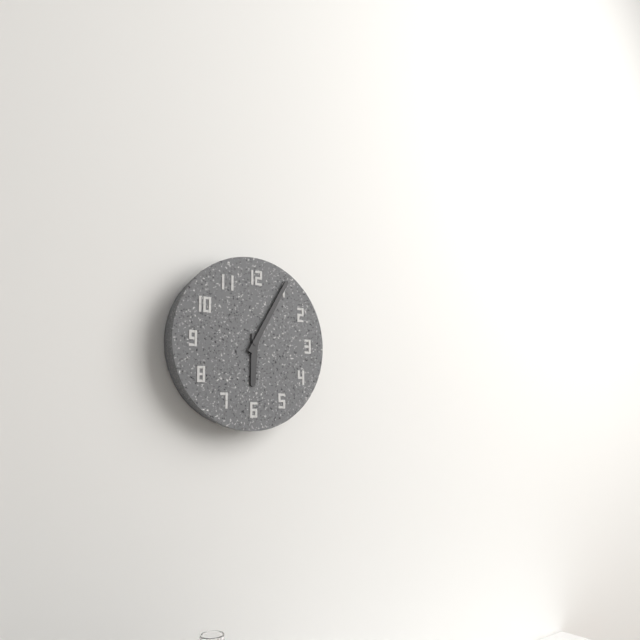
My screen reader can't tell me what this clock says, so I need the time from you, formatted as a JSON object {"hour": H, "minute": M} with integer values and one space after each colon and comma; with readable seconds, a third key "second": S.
{"hour": 6, "minute": 5}
